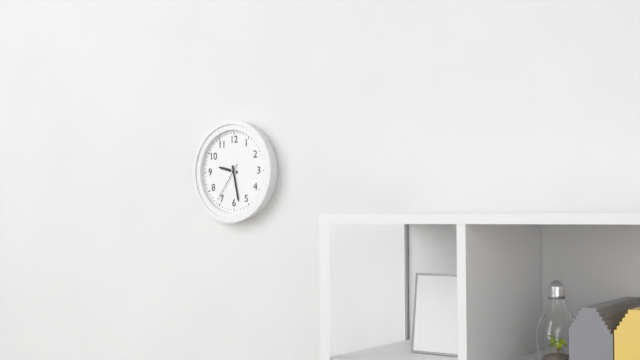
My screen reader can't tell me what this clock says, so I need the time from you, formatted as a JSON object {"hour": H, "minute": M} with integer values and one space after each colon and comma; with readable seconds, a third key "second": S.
{"hour": 9, "minute": 28}
